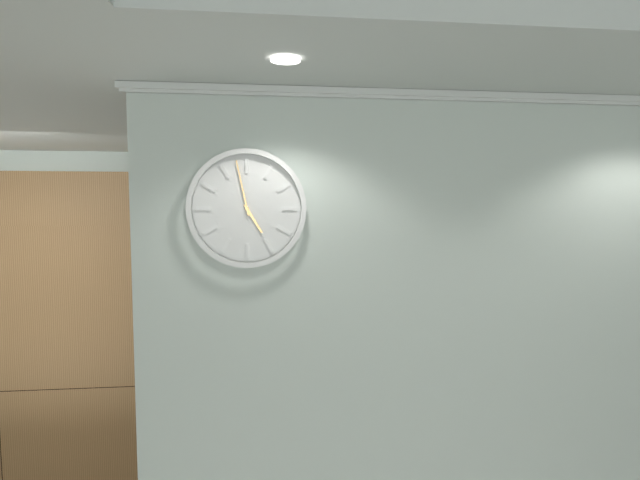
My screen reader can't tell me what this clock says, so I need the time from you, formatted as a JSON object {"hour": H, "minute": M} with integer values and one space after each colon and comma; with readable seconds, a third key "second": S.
{"hour": 4, "minute": 58}
